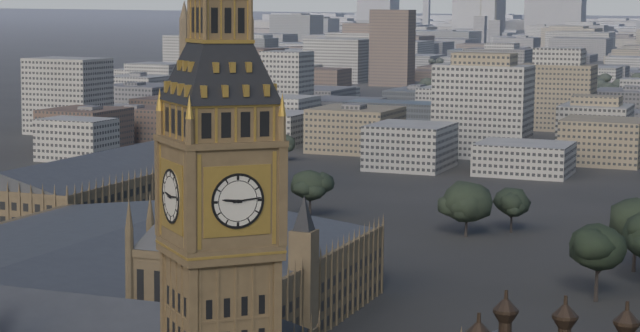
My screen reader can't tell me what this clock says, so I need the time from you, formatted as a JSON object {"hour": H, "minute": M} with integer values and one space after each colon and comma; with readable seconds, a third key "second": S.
{"hour": 9, "minute": 14}
